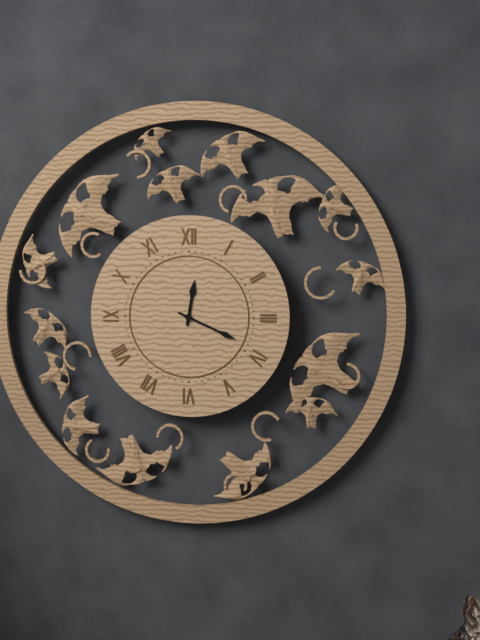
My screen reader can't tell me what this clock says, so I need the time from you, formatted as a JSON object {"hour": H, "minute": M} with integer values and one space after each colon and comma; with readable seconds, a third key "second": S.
{"hour": 12, "minute": 19}
